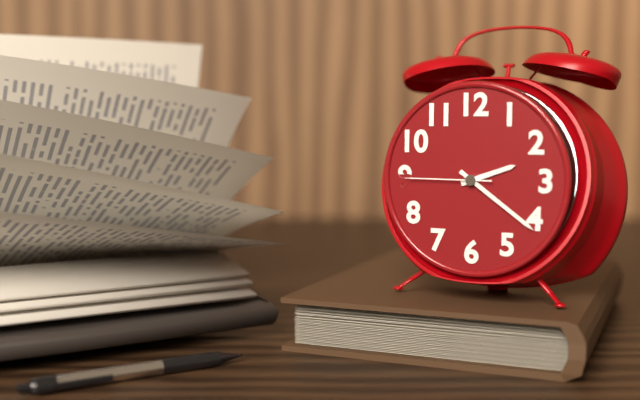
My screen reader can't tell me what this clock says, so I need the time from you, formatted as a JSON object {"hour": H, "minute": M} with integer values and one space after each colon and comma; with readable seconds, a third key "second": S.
{"hour": 2, "minute": 21, "second": 45}
